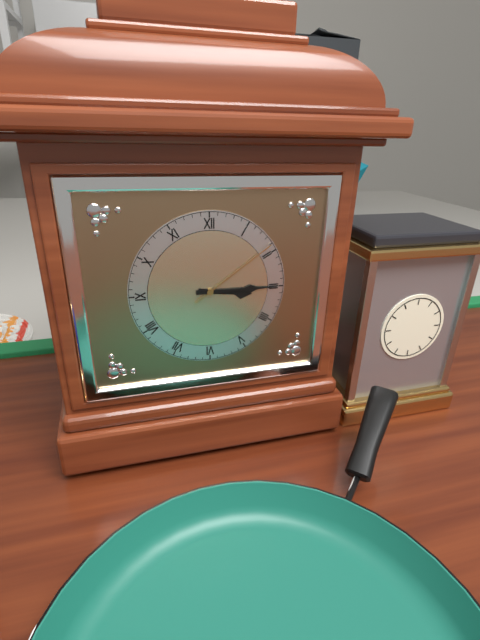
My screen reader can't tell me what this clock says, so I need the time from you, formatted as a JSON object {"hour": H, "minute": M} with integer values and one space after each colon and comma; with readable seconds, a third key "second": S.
{"hour": 3, "minute": 15, "second": 9}
